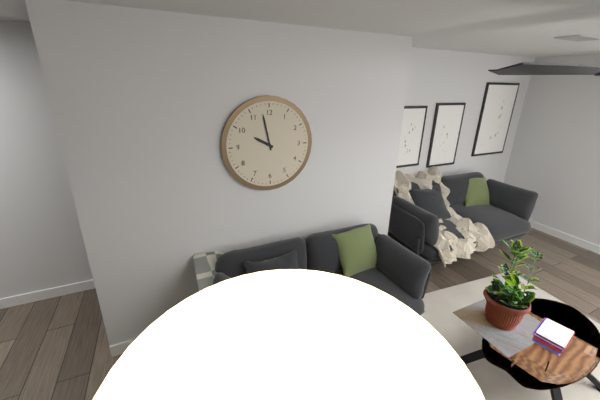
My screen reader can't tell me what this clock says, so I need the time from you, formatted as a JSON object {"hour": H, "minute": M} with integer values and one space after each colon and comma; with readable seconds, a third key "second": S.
{"hour": 9, "minute": 58}
